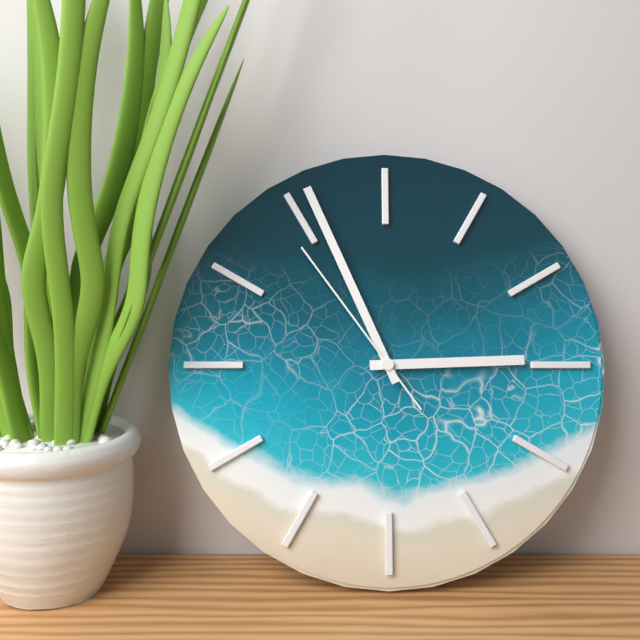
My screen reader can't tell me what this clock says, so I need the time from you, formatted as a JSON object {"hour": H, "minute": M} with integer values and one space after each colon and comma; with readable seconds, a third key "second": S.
{"hour": 2, "minute": 56, "second": 54}
